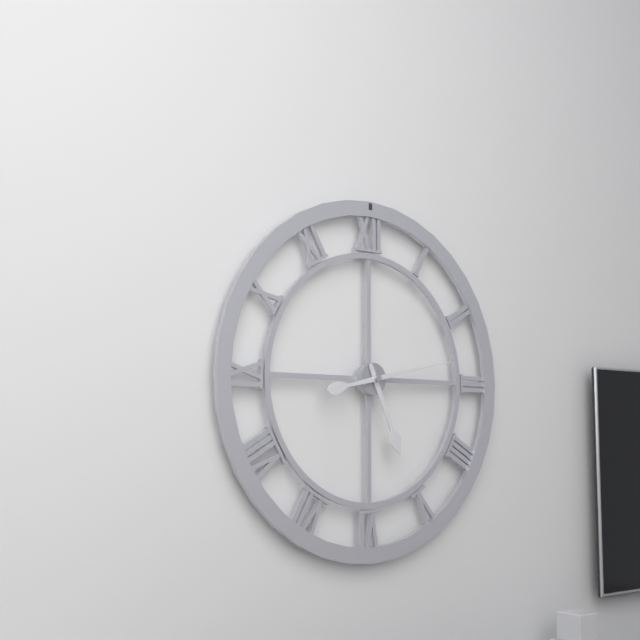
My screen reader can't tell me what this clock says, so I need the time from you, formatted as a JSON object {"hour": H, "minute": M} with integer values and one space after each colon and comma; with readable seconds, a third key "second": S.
{"hour": 5, "minute": 13}
